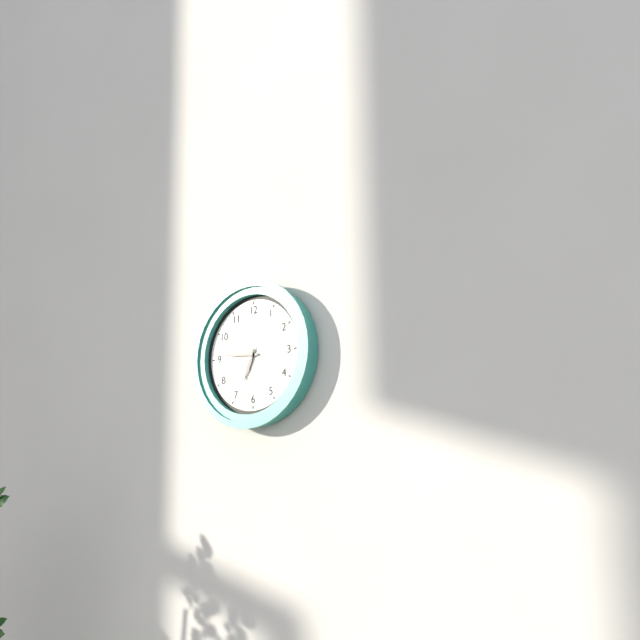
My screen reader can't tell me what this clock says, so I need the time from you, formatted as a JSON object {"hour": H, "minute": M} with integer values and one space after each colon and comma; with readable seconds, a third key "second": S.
{"hour": 6, "minute": 46, "second": 32}
